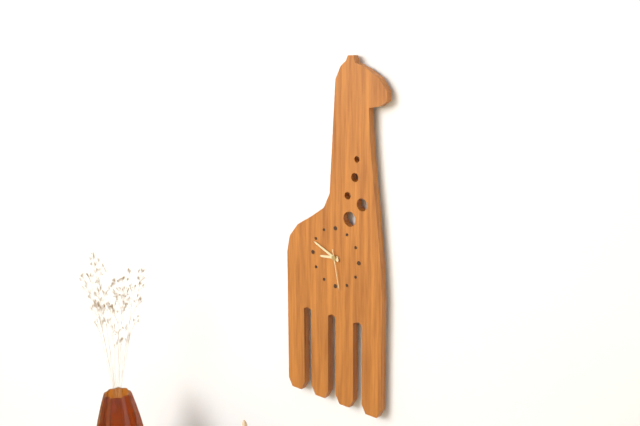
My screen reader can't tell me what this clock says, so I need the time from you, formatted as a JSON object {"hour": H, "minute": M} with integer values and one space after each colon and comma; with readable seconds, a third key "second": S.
{"hour": 8, "minute": 49}
